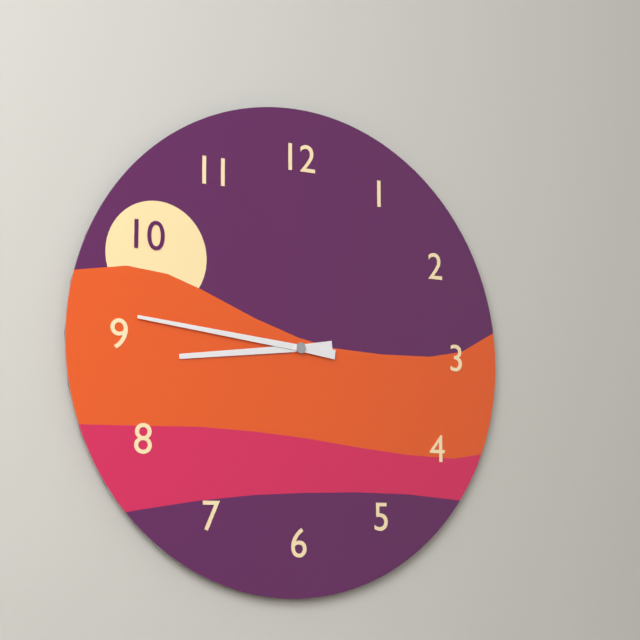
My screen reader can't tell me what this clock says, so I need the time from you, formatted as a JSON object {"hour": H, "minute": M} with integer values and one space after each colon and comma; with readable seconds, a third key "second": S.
{"hour": 8, "minute": 46}
